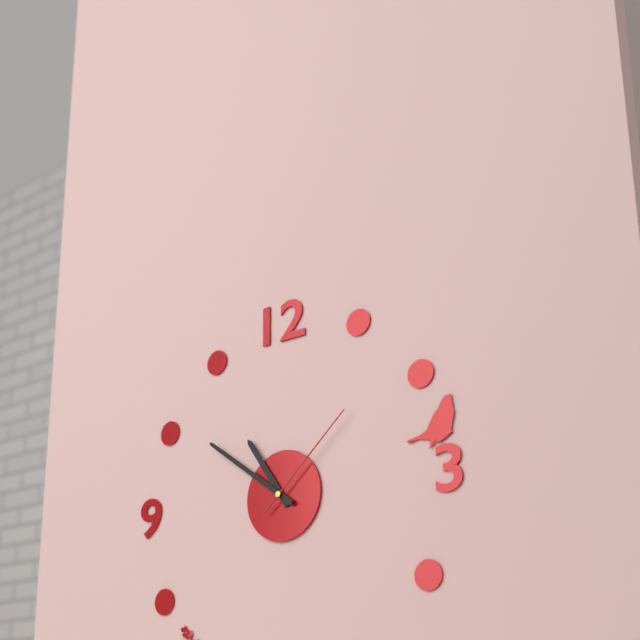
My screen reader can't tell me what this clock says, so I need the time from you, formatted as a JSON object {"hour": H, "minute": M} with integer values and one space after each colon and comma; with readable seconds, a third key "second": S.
{"hour": 10, "minute": 51, "second": 8}
